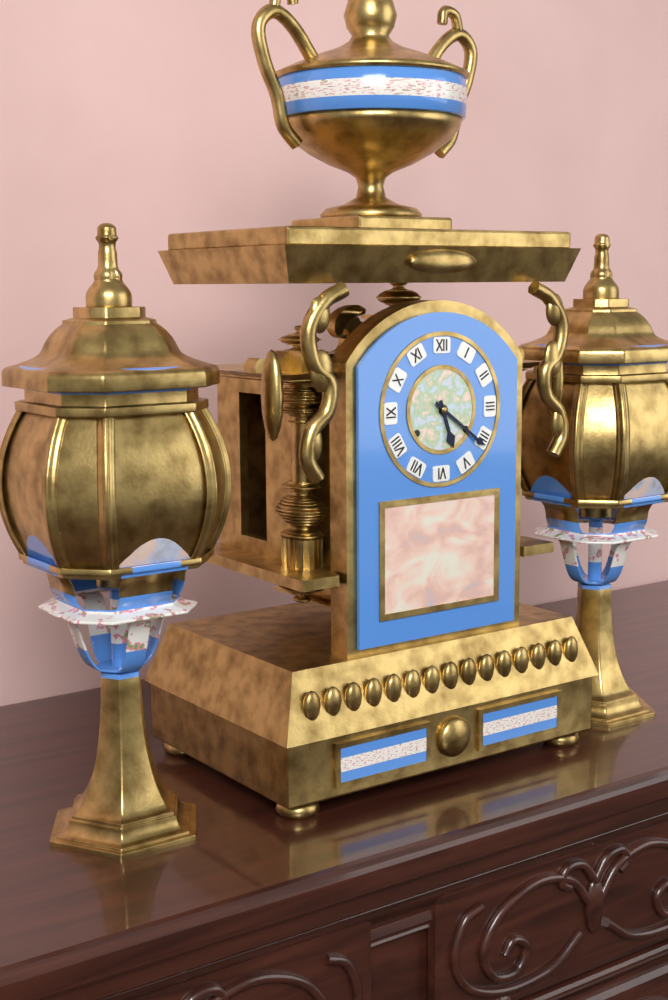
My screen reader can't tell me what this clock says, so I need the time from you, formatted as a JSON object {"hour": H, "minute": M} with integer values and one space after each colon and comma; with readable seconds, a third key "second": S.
{"hour": 5, "minute": 21}
